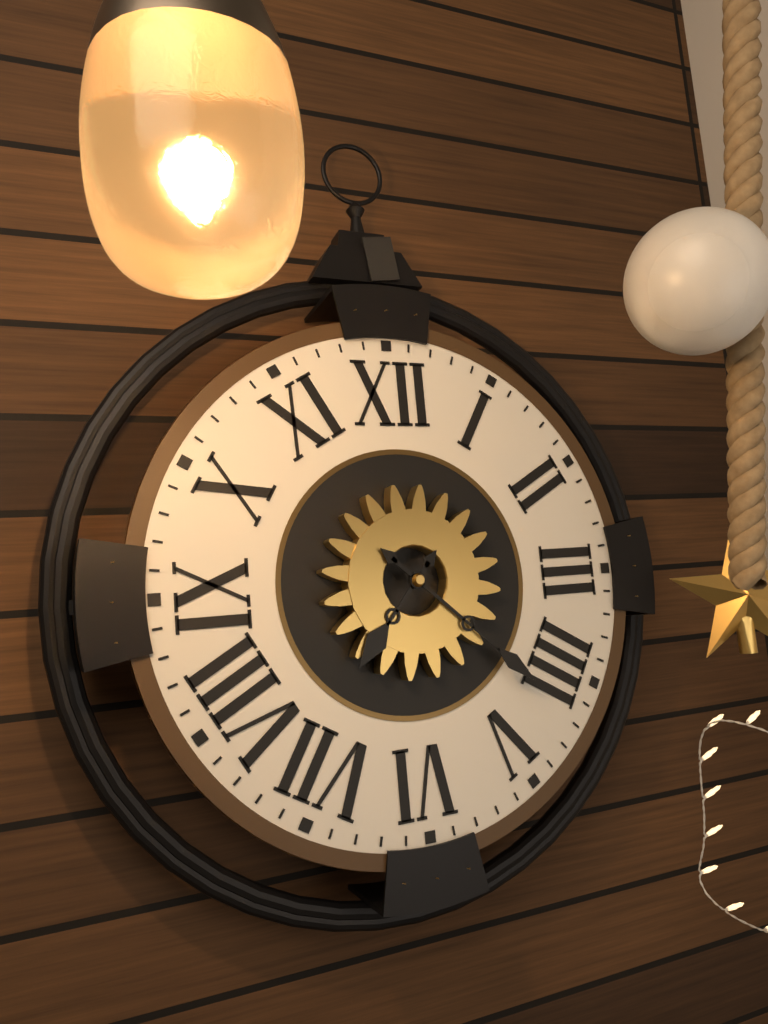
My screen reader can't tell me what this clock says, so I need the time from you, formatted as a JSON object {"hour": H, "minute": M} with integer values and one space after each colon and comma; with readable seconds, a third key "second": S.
{"hour": 7, "minute": 22}
